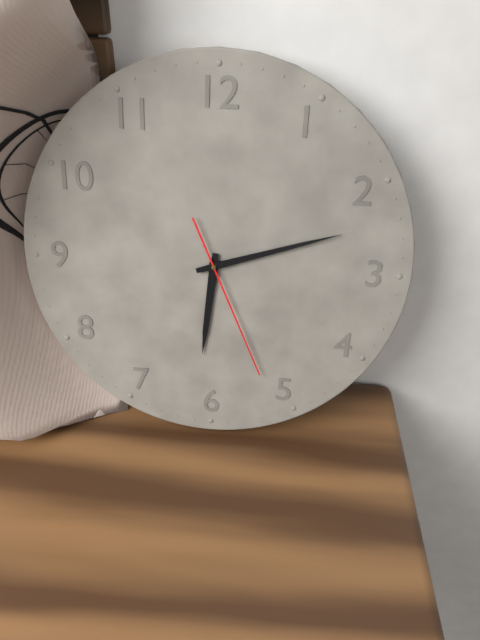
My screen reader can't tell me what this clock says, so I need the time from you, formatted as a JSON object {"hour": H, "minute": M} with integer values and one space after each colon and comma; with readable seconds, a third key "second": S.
{"hour": 6, "minute": 12, "second": 26}
